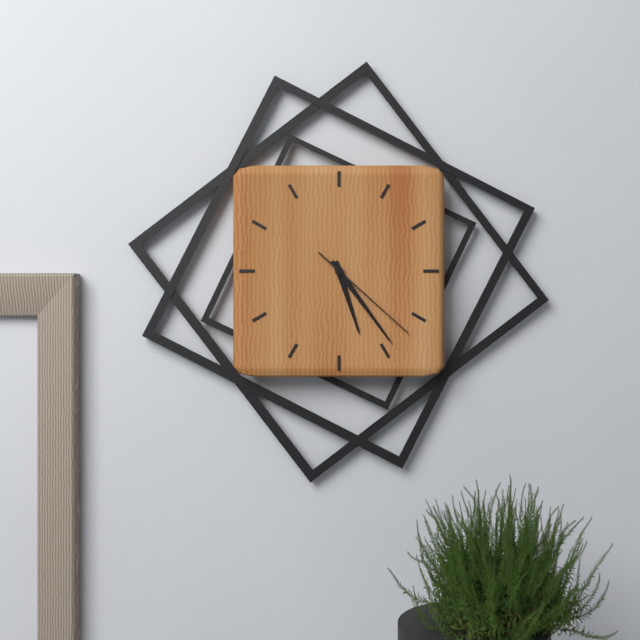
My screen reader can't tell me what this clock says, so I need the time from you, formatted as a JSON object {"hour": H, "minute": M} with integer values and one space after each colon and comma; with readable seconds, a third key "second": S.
{"hour": 5, "minute": 24, "second": 22}
